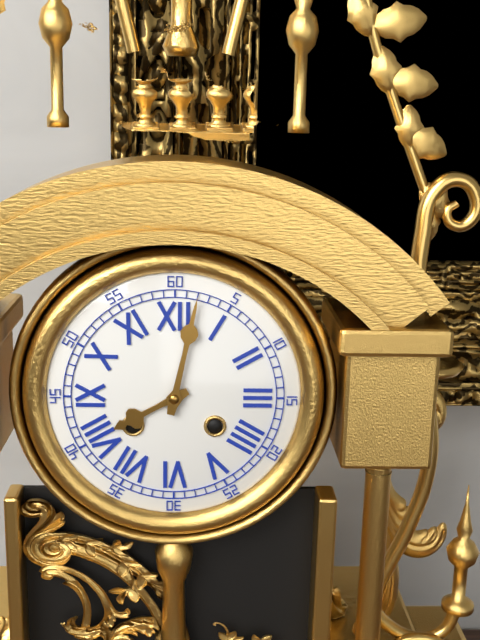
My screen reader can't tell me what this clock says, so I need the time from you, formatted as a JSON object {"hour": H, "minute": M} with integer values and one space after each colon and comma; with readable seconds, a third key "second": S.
{"hour": 8, "minute": 2}
